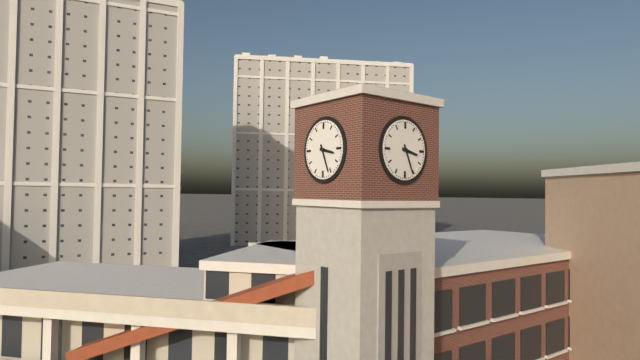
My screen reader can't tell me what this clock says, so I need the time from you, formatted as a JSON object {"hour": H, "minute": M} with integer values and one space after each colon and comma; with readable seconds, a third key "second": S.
{"hour": 3, "minute": 26}
